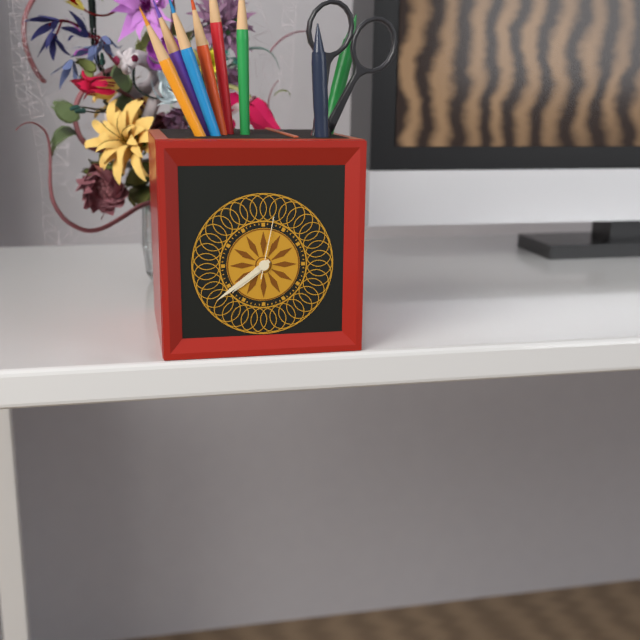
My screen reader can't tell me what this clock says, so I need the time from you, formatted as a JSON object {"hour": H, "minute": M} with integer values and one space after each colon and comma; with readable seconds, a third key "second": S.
{"hour": 7, "minute": 39, "second": 2}
